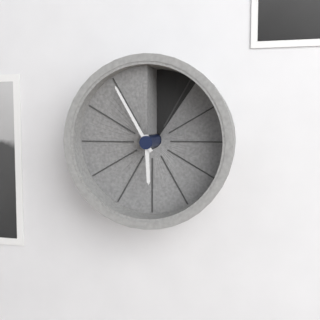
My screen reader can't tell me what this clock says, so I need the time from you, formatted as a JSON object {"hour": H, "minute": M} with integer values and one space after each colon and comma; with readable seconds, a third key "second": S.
{"hour": 5, "minute": 55}
